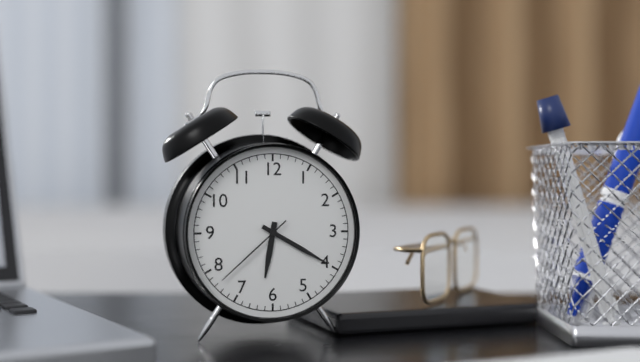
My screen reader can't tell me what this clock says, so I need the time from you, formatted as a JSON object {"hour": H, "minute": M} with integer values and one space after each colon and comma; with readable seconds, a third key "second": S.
{"hour": 6, "minute": 20, "second": 38}
